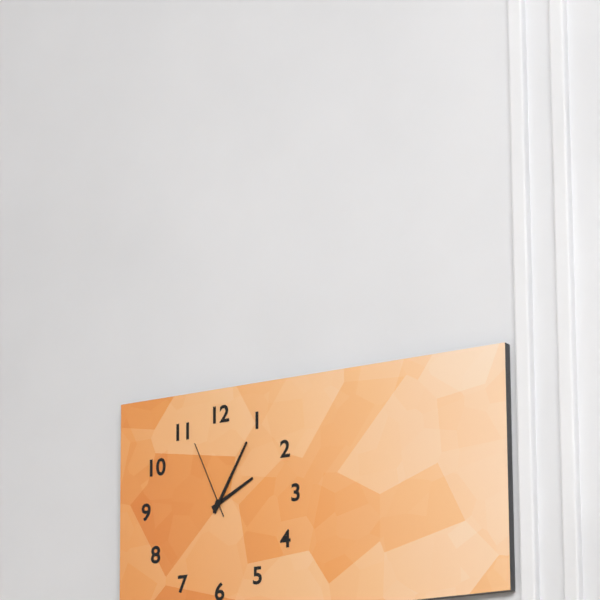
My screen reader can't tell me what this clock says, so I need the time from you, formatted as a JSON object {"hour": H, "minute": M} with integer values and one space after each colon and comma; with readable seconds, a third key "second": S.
{"hour": 2, "minute": 5, "second": 56}
